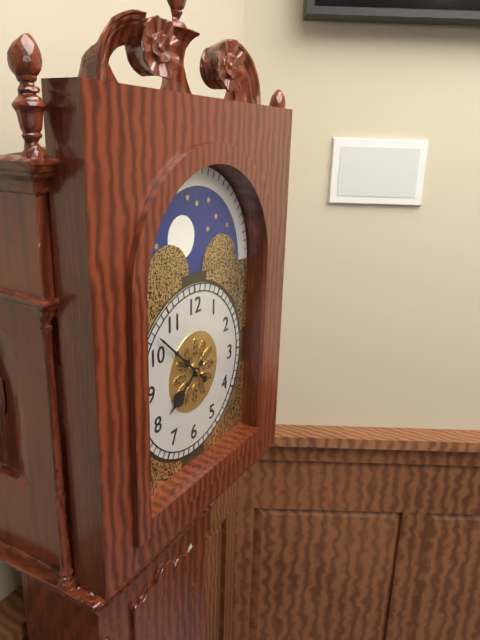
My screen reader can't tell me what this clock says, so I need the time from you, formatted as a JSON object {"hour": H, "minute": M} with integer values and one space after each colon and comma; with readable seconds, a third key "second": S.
{"hour": 7, "minute": 52}
